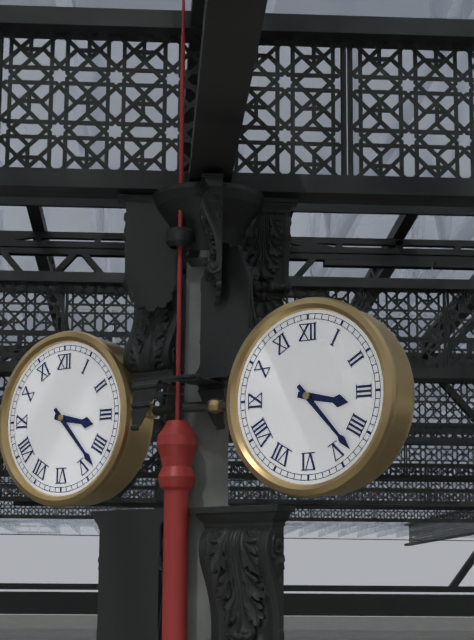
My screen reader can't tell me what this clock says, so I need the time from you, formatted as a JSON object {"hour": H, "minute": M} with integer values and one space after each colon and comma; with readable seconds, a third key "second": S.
{"hour": 3, "minute": 23}
